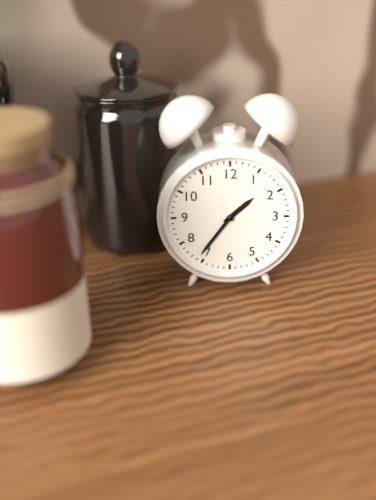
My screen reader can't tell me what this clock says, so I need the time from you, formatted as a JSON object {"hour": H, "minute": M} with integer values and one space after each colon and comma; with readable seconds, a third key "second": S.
{"hour": 1, "minute": 36}
